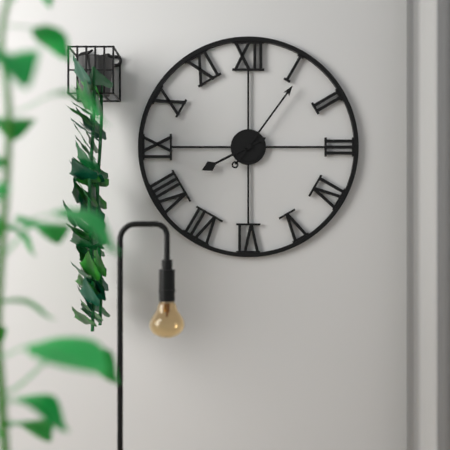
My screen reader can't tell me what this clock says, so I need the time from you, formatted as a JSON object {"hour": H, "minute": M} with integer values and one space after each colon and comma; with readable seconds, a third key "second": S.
{"hour": 8, "minute": 6}
